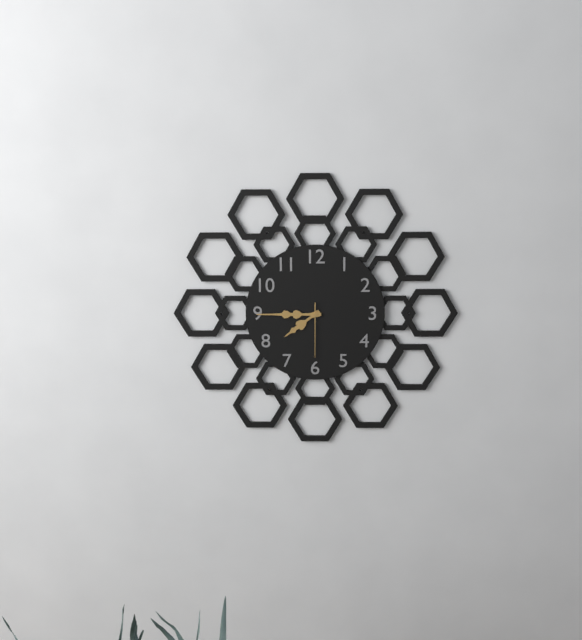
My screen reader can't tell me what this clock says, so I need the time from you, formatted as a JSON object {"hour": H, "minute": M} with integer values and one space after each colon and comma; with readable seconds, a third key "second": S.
{"hour": 7, "minute": 45, "second": 30}
